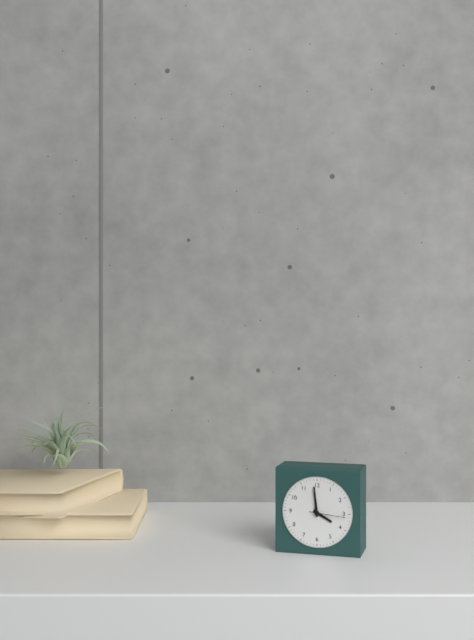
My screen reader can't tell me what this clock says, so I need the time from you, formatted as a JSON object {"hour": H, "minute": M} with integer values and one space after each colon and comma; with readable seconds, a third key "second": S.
{"hour": 3, "minute": 59}
